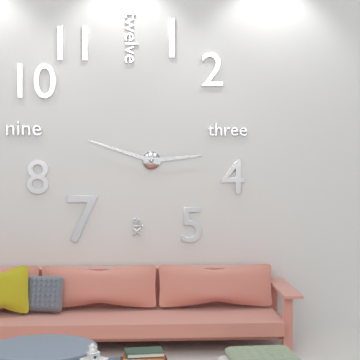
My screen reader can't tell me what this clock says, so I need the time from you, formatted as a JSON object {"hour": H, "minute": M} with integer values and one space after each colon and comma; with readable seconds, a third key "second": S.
{"hour": 2, "minute": 48}
